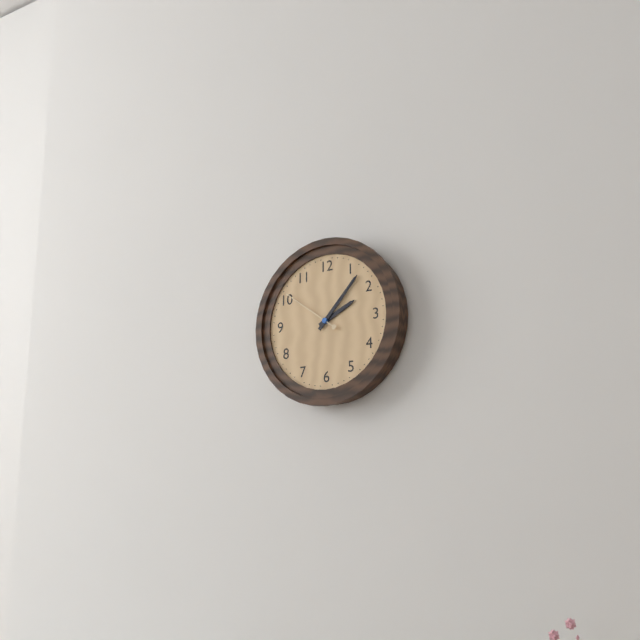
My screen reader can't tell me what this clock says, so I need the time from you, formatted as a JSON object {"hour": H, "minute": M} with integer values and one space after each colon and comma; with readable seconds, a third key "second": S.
{"hour": 2, "minute": 7, "second": 51}
